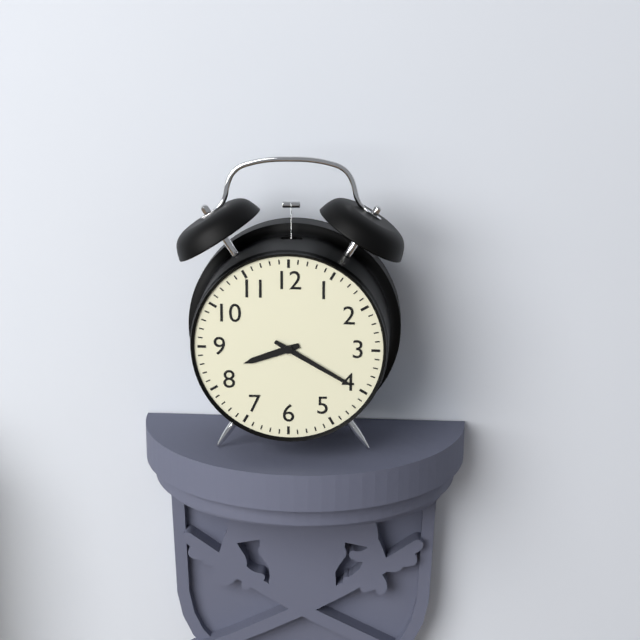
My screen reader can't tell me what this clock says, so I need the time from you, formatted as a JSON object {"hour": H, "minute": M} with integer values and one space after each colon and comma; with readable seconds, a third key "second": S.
{"hour": 8, "minute": 20}
